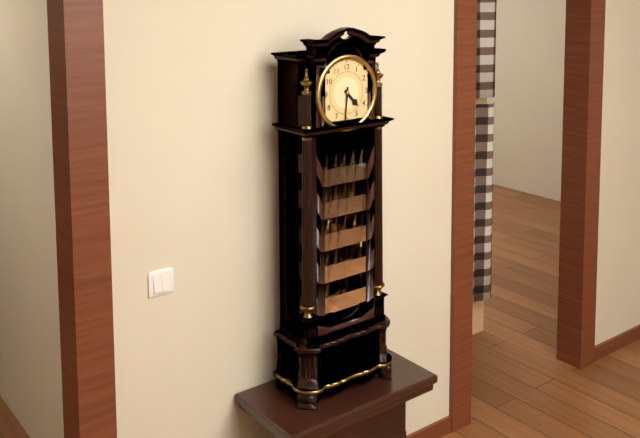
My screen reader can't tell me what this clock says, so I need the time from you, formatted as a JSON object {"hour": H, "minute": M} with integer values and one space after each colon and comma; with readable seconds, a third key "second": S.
{"hour": 4, "minute": 31}
